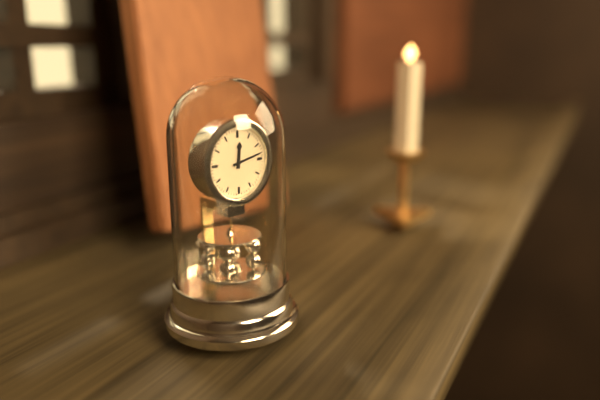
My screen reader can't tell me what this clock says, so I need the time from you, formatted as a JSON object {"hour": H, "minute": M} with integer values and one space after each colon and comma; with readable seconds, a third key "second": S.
{"hour": 12, "minute": 13}
